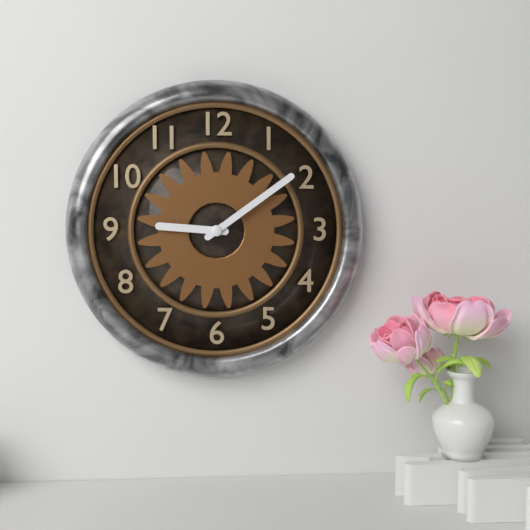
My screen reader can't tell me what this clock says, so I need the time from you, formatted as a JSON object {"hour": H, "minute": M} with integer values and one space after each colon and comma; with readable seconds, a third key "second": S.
{"hour": 9, "minute": 9}
